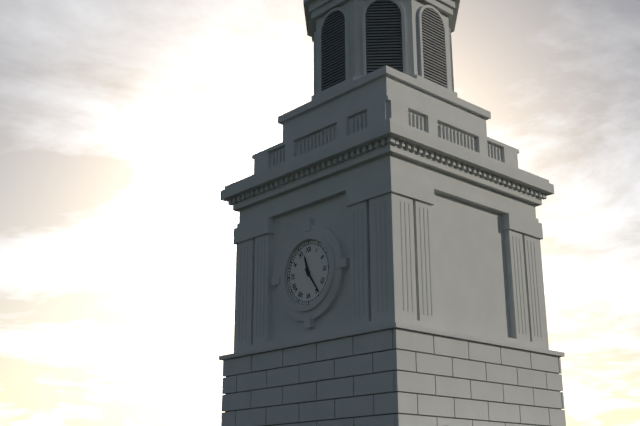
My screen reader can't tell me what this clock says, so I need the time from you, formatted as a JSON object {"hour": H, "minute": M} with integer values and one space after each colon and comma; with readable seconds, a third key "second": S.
{"hour": 11, "minute": 24}
